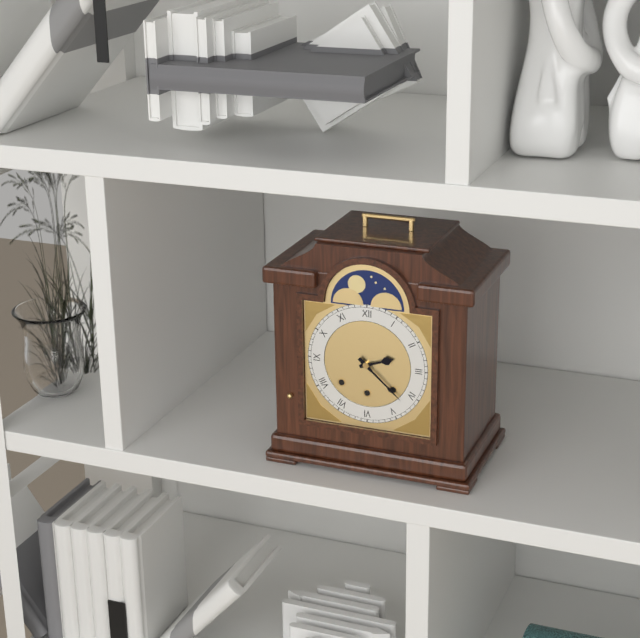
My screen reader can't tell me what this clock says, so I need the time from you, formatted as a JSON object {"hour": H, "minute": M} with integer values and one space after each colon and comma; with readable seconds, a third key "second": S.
{"hour": 2, "minute": 22}
